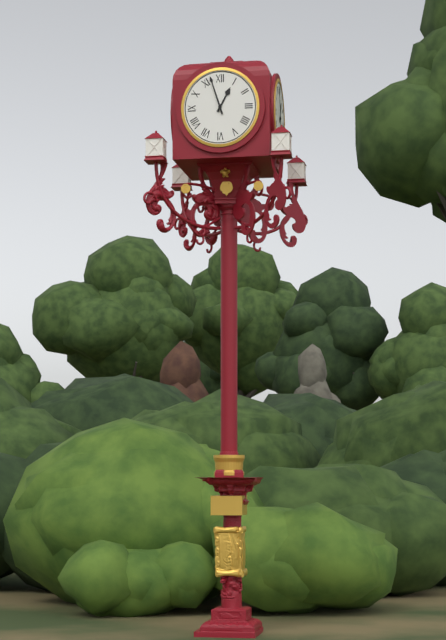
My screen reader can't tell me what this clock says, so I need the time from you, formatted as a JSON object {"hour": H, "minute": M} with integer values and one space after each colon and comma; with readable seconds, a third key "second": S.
{"hour": 12, "minute": 57}
